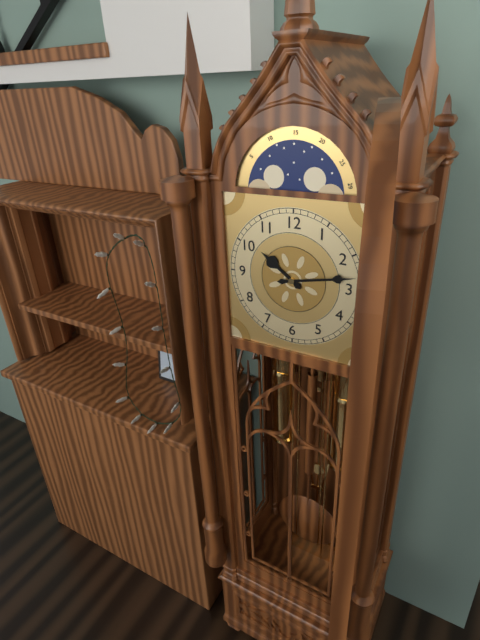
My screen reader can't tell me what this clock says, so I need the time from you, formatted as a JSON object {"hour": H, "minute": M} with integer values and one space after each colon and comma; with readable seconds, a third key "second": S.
{"hour": 10, "minute": 13}
